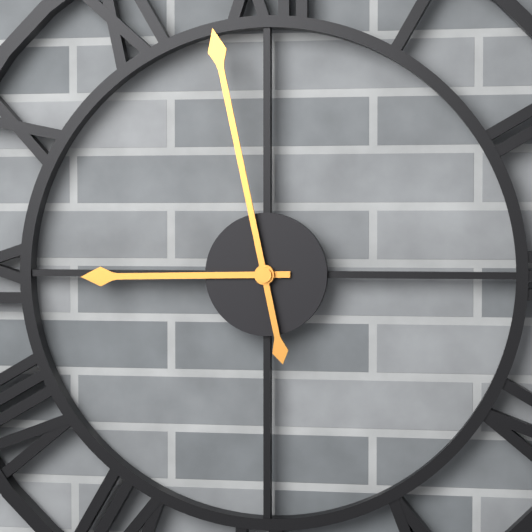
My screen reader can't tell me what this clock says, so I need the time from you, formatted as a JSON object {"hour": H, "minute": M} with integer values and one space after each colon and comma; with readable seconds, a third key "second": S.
{"hour": 8, "minute": 58}
